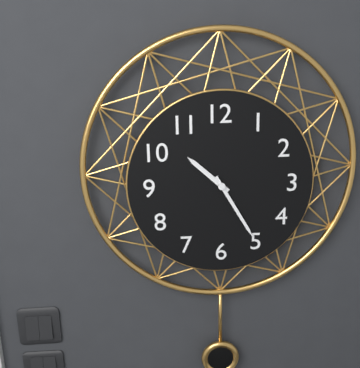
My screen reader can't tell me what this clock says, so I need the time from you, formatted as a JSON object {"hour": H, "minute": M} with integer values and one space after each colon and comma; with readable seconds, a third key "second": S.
{"hour": 10, "minute": 25}
